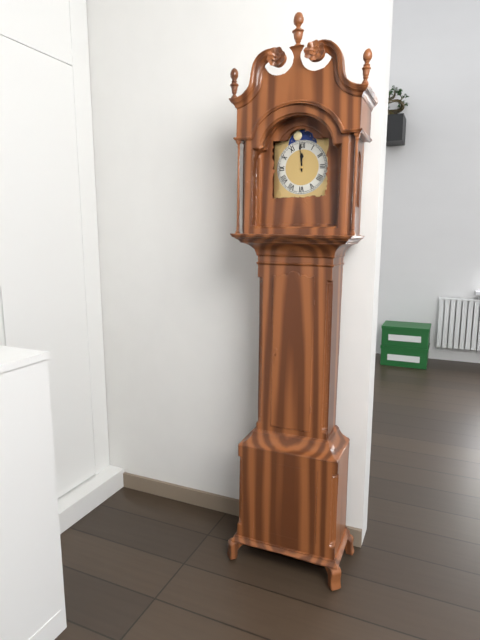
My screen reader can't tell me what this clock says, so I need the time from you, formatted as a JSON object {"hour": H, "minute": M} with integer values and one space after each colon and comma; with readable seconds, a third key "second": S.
{"hour": 11, "minute": 59}
